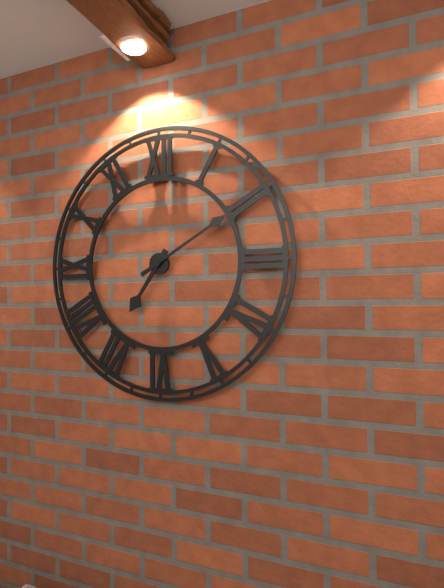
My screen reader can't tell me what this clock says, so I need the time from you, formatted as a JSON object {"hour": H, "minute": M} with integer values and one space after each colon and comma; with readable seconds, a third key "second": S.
{"hour": 7, "minute": 10}
